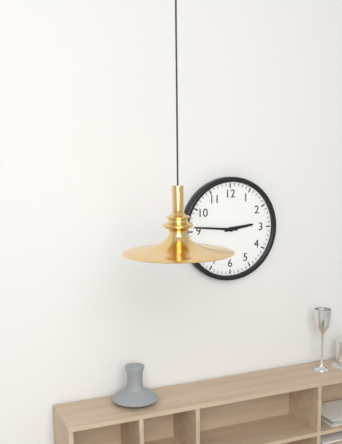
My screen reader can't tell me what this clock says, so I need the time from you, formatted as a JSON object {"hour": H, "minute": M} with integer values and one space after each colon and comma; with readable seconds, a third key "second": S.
{"hour": 2, "minute": 46}
